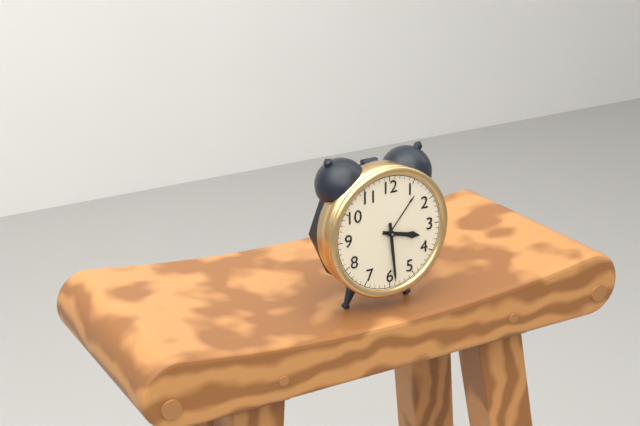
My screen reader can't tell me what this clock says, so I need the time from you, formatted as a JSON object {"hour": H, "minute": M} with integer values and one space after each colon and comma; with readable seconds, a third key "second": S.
{"hour": 3, "minute": 29}
